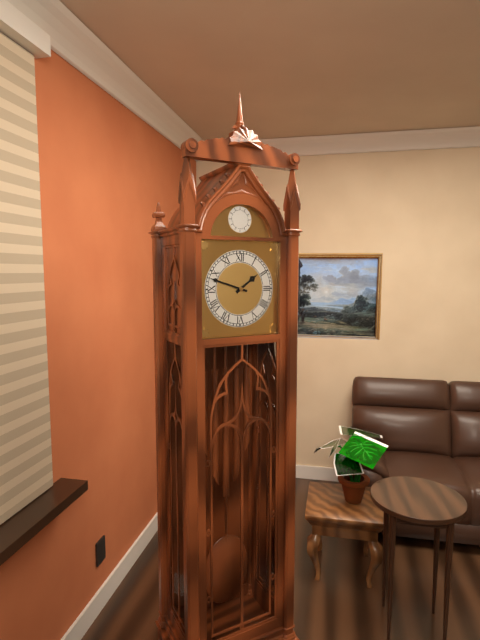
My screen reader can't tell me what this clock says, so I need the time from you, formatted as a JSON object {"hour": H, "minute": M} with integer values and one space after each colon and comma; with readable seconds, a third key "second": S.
{"hour": 1, "minute": 48}
